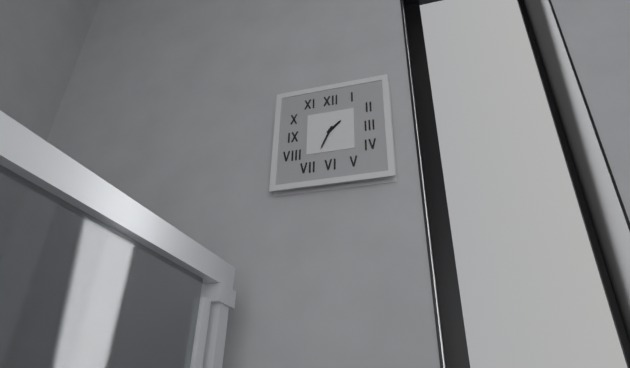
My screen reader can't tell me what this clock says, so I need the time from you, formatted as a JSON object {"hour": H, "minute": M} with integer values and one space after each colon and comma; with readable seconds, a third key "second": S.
{"hour": 1, "minute": 34}
